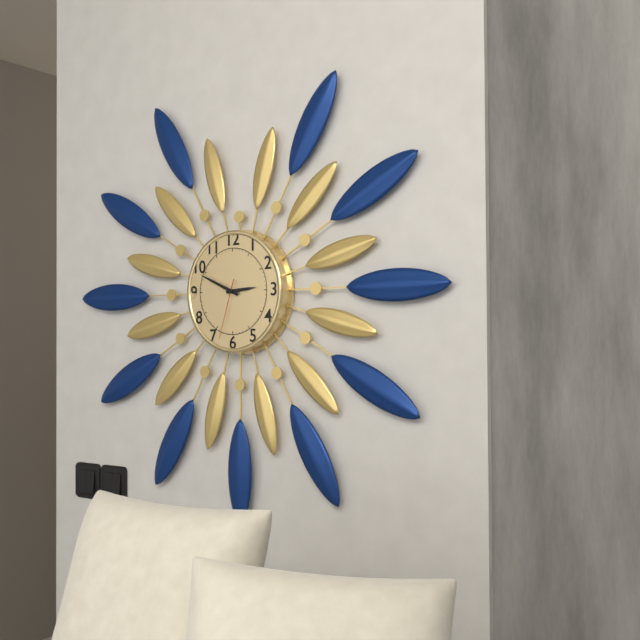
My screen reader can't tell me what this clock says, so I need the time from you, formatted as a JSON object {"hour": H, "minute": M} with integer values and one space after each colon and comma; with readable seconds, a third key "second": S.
{"hour": 2, "minute": 49, "second": 33}
